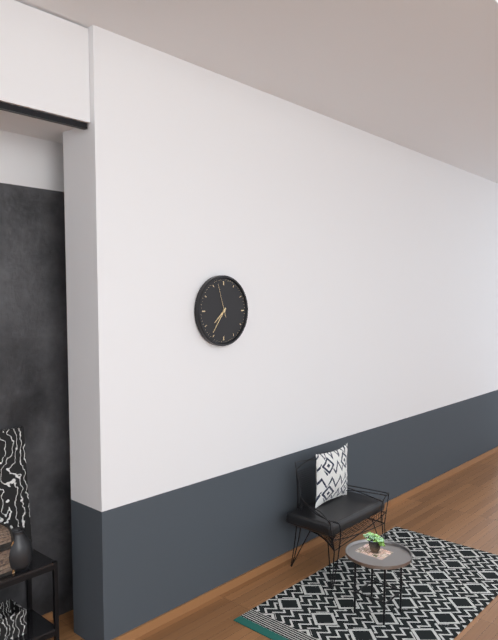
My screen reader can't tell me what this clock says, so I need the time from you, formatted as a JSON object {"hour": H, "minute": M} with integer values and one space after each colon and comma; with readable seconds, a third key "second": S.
{"hour": 7, "minute": 36}
